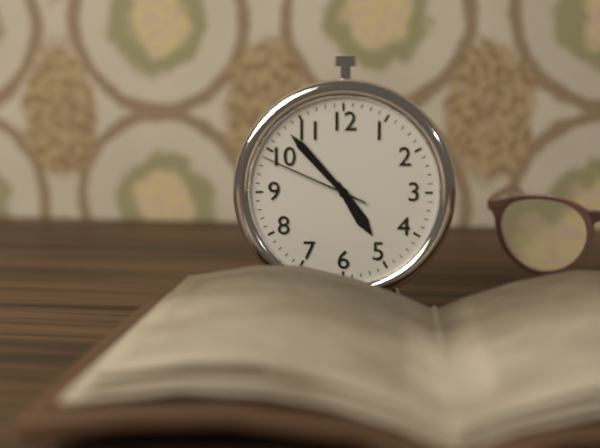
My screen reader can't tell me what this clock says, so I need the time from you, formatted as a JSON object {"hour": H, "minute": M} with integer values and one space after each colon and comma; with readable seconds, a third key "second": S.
{"hour": 4, "minute": 53, "second": 49}
